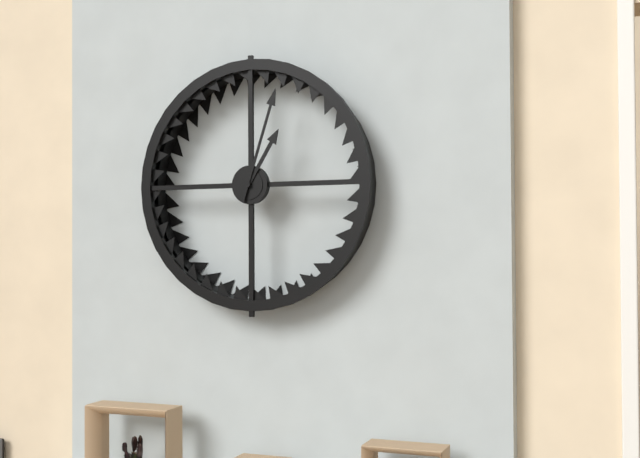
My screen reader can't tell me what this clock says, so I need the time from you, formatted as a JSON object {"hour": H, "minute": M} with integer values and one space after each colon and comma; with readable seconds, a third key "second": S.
{"hour": 1, "minute": 3}
